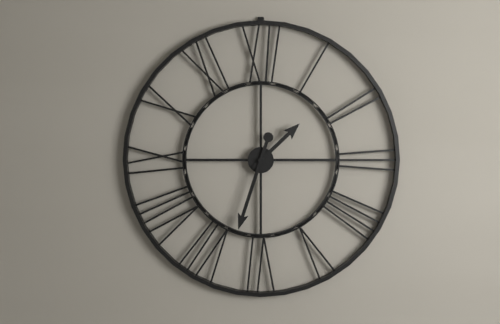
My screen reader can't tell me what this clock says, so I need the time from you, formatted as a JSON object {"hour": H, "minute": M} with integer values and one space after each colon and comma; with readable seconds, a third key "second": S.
{"hour": 1, "minute": 33}
